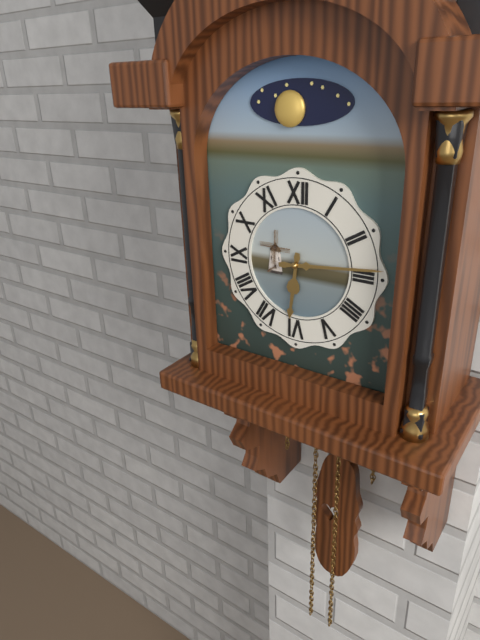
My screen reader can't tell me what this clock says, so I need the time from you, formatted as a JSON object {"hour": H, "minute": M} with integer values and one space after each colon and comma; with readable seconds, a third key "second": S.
{"hour": 6, "minute": 14}
